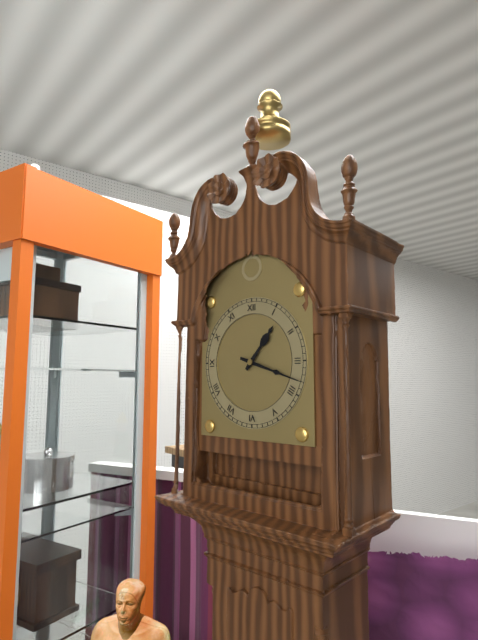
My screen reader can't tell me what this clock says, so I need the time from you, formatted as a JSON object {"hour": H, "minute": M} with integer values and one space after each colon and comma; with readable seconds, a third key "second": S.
{"hour": 1, "minute": 18}
